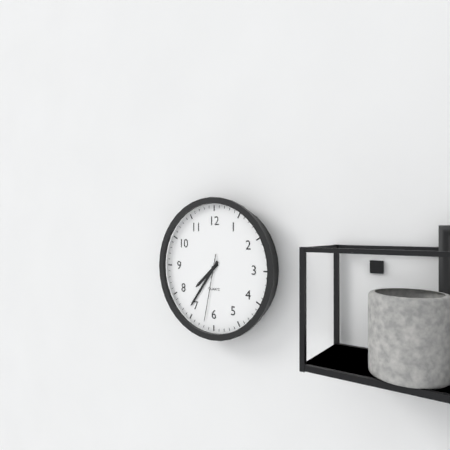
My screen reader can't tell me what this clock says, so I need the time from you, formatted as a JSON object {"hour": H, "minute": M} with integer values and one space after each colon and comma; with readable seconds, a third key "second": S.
{"hour": 7, "minute": 36, "second": 32}
